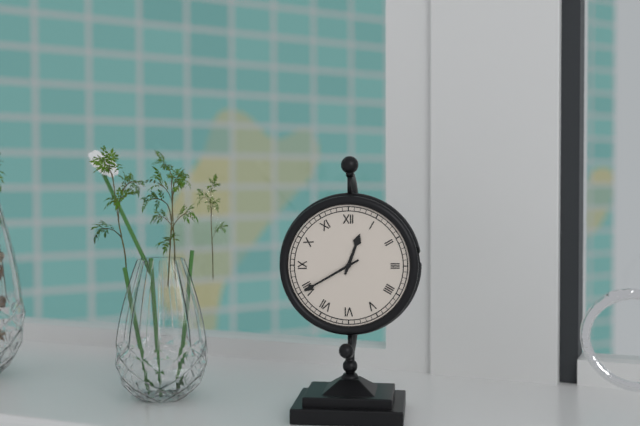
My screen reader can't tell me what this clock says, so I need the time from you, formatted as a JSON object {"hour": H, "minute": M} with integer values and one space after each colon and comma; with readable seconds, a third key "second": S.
{"hour": 12, "minute": 40}
